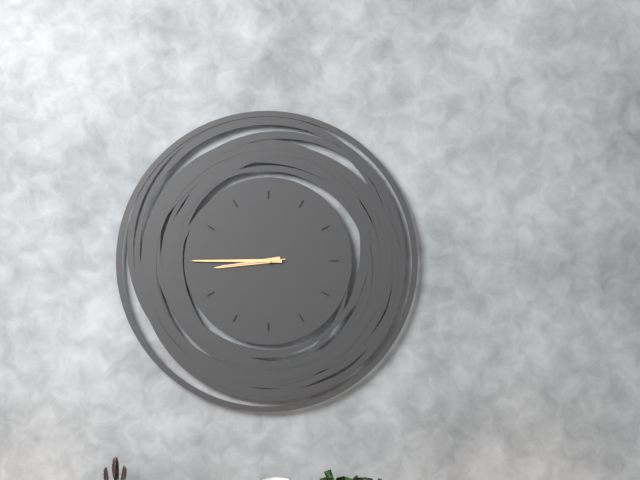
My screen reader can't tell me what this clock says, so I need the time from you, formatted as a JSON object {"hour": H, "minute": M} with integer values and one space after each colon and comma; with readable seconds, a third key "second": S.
{"hour": 8, "minute": 45, "second": 44}
